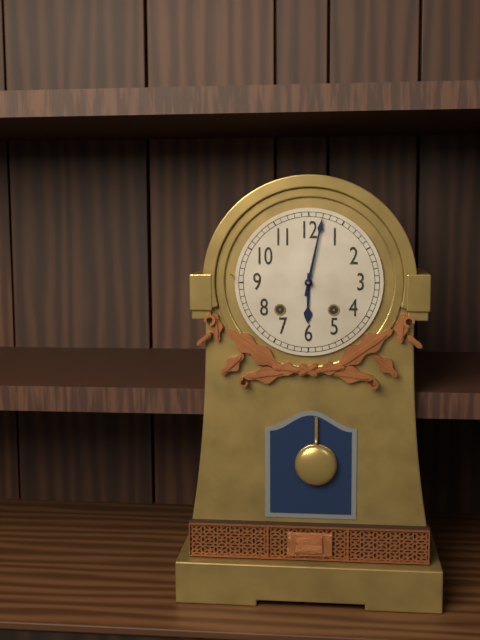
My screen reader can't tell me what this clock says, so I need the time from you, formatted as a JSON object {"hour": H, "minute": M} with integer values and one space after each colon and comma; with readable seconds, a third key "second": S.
{"hour": 6, "minute": 2}
